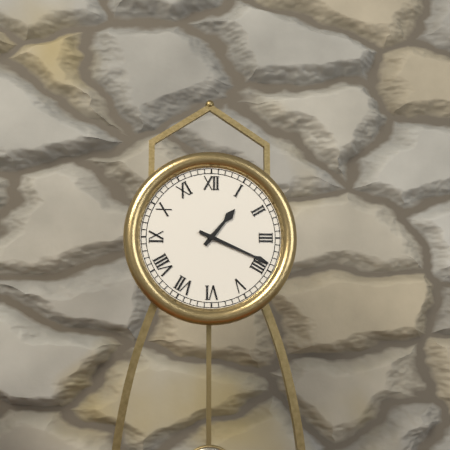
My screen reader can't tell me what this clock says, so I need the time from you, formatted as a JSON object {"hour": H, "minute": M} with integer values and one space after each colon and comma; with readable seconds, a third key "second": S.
{"hour": 1, "minute": 19}
